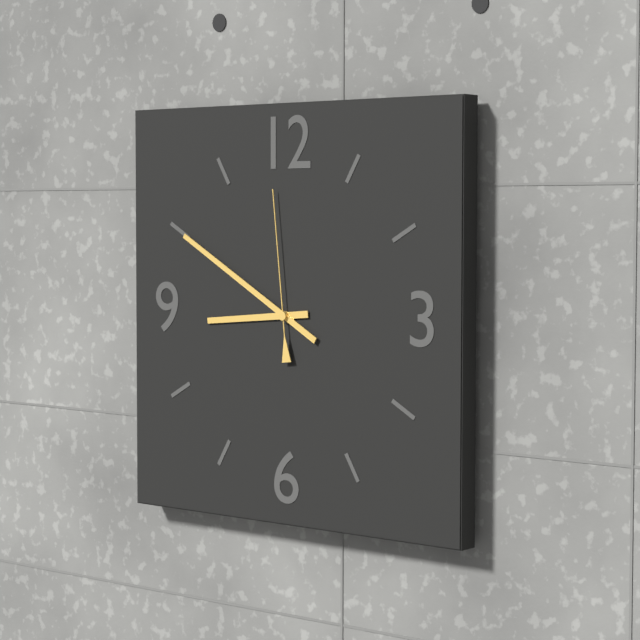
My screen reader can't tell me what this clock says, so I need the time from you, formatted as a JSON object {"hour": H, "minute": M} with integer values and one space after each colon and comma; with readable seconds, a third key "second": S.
{"hour": 8, "minute": 50, "second": 59}
